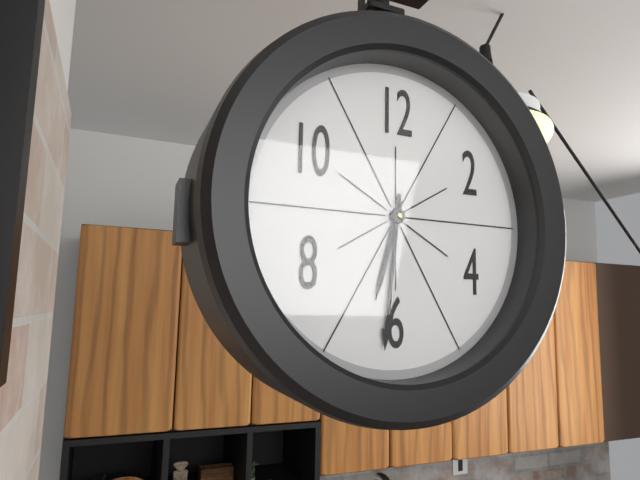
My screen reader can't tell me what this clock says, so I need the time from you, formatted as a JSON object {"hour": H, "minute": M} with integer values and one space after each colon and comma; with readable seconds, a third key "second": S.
{"hour": 6, "minute": 31}
